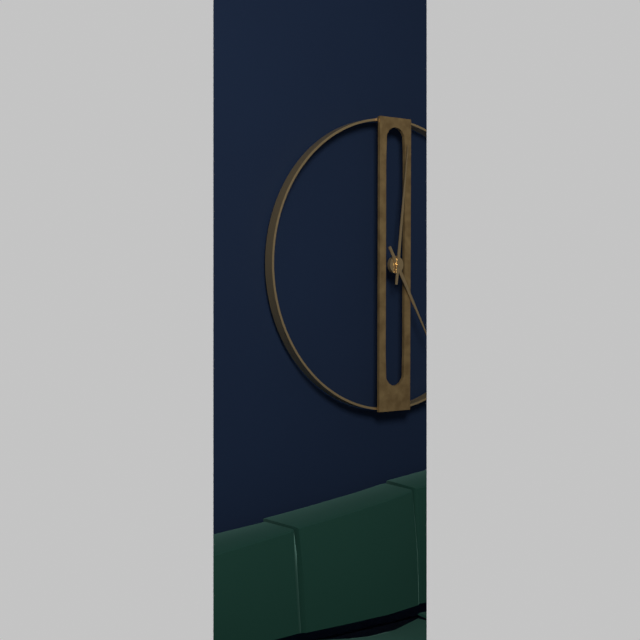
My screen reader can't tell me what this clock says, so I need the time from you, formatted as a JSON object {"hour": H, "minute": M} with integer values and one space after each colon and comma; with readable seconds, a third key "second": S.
{"hour": 5, "minute": 1}
